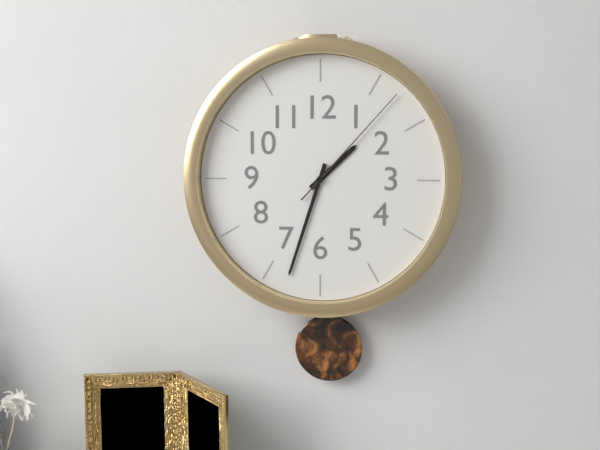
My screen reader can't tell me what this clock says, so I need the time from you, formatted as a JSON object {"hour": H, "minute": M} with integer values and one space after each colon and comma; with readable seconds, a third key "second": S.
{"hour": 1, "minute": 33, "second": 7}
